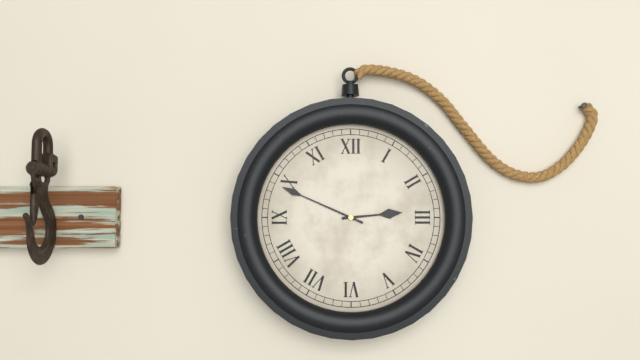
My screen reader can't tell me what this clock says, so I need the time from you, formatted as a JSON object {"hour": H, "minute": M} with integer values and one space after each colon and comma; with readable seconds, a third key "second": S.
{"hour": 2, "minute": 49}
